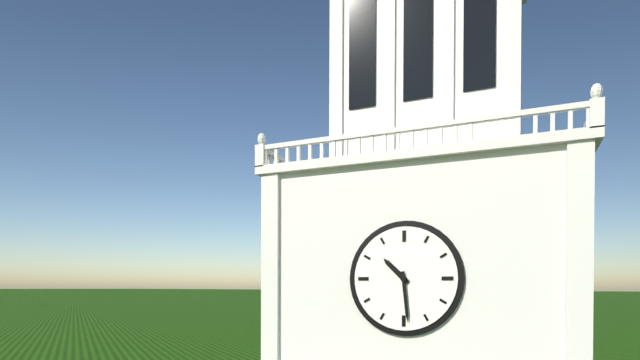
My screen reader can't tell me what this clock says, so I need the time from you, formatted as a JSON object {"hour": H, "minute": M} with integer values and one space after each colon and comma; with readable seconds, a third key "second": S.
{"hour": 10, "minute": 29}
